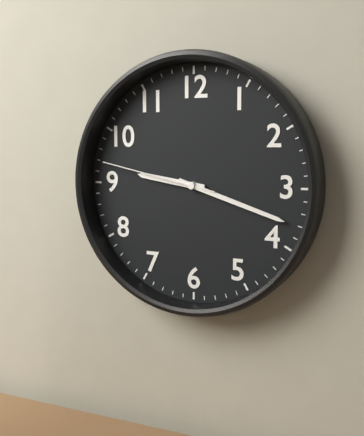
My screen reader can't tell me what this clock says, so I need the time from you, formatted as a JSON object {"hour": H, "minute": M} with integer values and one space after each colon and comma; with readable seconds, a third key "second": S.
{"hour": 9, "minute": 18, "second": 47}
